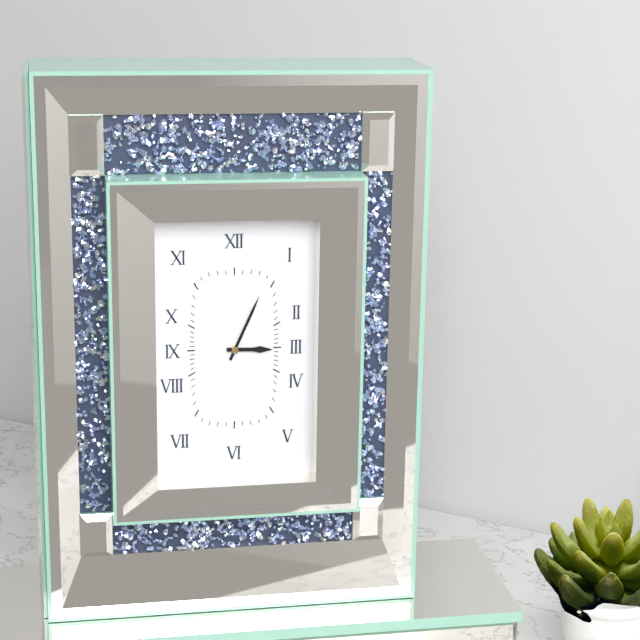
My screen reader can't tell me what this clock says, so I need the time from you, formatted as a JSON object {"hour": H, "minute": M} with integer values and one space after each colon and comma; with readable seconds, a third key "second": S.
{"hour": 3, "minute": 4}
